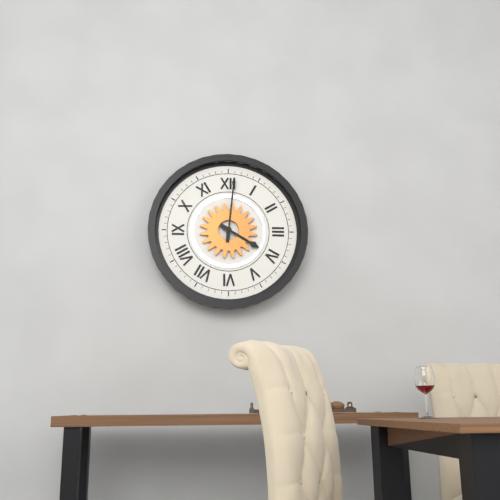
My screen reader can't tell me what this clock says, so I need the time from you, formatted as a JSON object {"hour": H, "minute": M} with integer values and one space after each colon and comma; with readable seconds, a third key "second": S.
{"hour": 4, "minute": 1}
